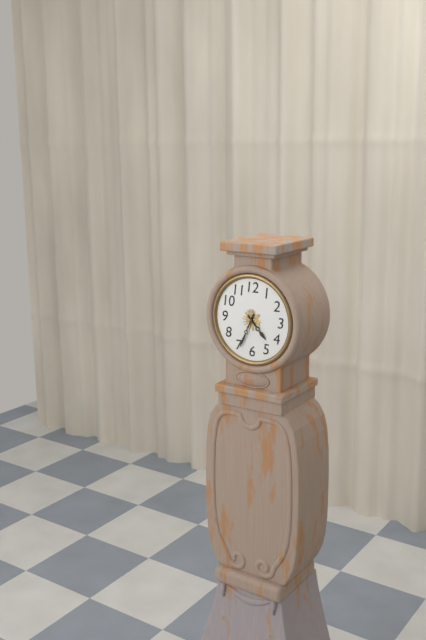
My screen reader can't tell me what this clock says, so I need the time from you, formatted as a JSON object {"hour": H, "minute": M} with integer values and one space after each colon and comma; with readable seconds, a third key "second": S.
{"hour": 4, "minute": 34}
